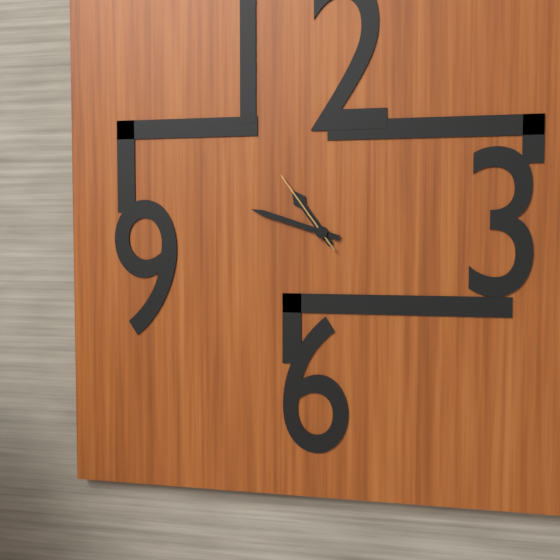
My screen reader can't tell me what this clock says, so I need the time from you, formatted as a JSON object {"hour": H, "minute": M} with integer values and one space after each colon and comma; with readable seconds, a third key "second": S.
{"hour": 10, "minute": 48, "second": 54}
